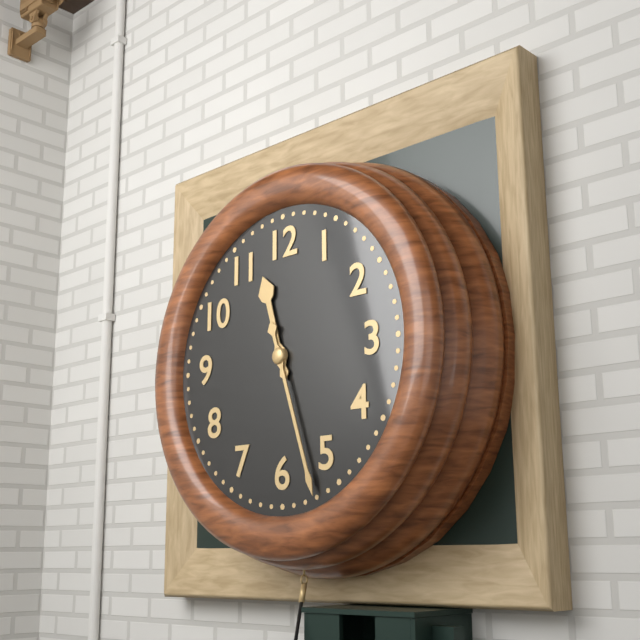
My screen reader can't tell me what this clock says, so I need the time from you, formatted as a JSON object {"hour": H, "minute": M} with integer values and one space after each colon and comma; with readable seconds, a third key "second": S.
{"hour": 11, "minute": 27}
